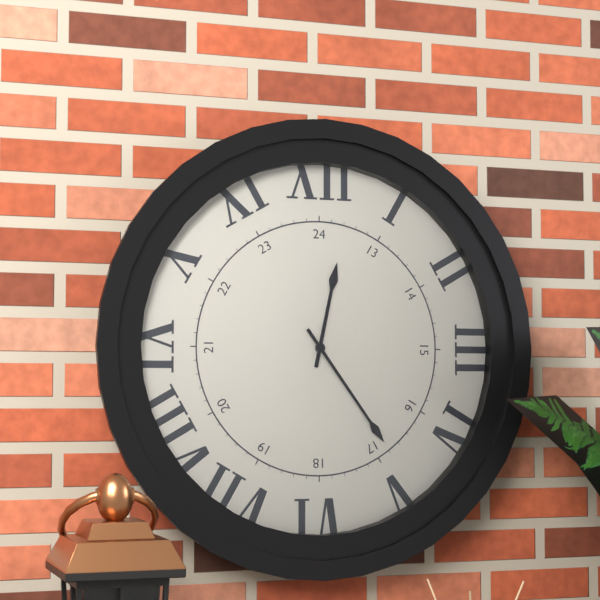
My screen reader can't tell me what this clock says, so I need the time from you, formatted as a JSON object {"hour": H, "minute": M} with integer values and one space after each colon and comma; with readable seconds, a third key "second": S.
{"hour": 12, "minute": 24}
